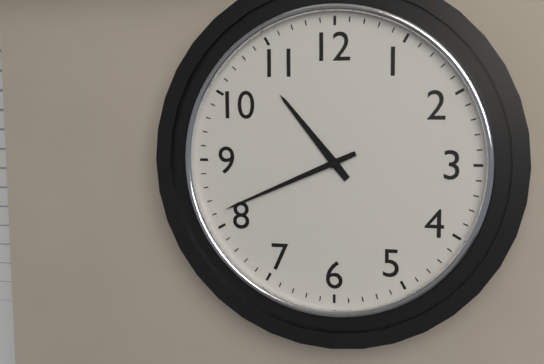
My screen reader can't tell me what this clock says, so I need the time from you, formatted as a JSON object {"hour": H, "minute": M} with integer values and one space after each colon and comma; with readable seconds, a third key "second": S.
{"hour": 10, "minute": 41}
